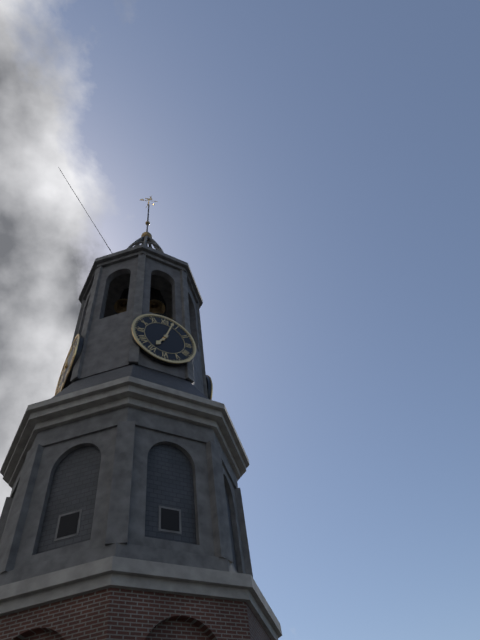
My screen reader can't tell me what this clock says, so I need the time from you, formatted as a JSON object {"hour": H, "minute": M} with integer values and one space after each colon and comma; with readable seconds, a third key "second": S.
{"hour": 7, "minute": 3}
